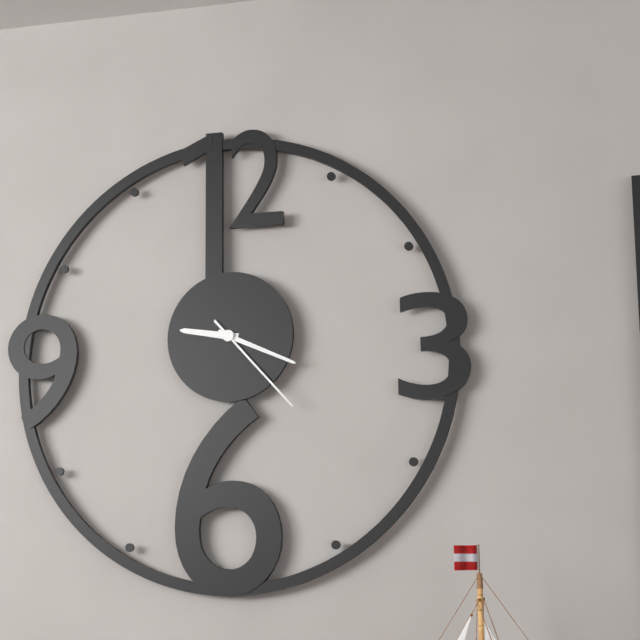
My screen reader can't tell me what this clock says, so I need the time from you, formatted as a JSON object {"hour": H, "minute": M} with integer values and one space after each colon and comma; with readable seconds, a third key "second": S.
{"hour": 9, "minute": 19, "second": 23}
